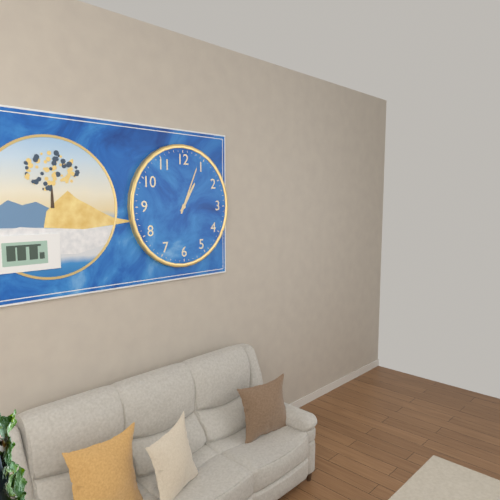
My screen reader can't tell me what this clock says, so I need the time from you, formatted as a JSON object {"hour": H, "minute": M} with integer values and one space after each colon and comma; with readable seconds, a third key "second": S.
{"hour": 1, "minute": 4}
